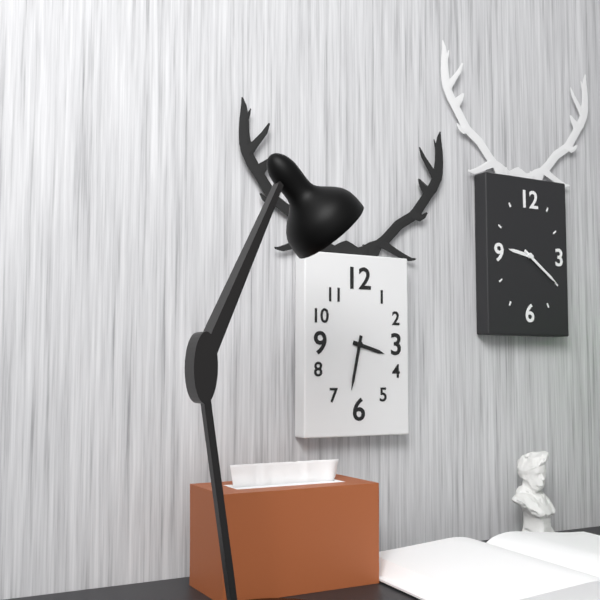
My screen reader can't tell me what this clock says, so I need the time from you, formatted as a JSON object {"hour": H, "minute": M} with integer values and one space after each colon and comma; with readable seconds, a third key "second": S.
{"hour": 3, "minute": 32}
